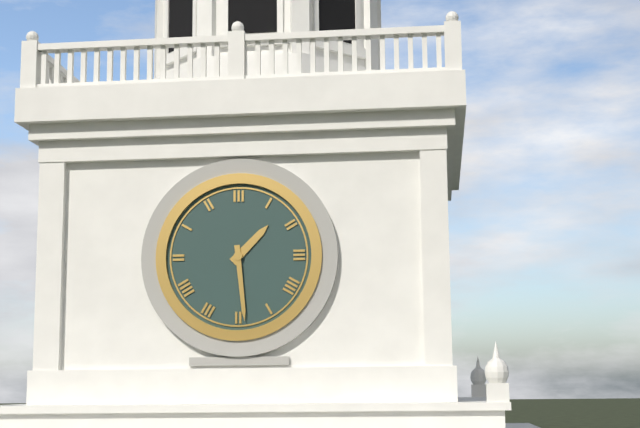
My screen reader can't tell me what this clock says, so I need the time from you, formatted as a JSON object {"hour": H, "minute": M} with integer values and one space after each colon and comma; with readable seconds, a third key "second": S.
{"hour": 1, "minute": 29}
